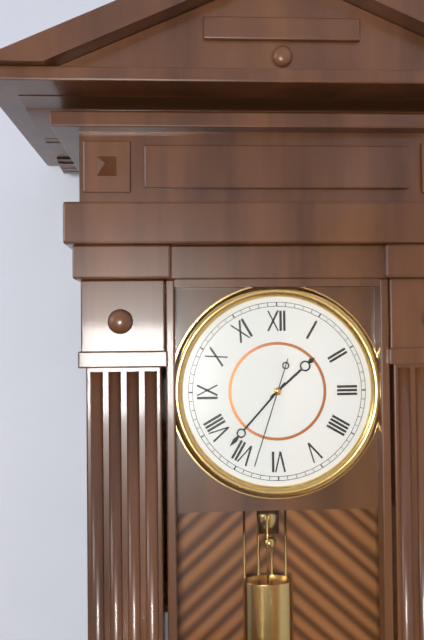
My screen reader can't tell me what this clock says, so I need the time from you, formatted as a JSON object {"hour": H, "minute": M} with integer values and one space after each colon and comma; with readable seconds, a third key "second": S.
{"hour": 1, "minute": 37, "second": 33}
